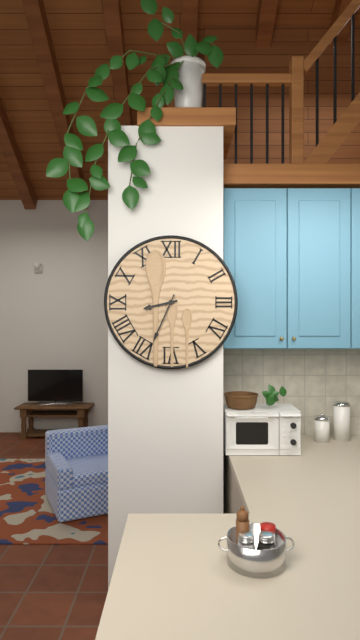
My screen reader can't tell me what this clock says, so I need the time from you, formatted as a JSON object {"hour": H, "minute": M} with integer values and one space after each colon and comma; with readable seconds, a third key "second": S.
{"hour": 8, "minute": 34}
